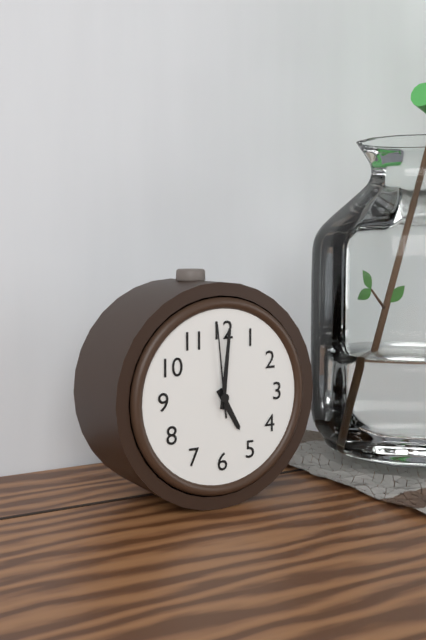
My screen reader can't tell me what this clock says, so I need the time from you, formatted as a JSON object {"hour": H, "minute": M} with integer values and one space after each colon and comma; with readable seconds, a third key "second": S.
{"hour": 5, "minute": 1, "second": 59}
